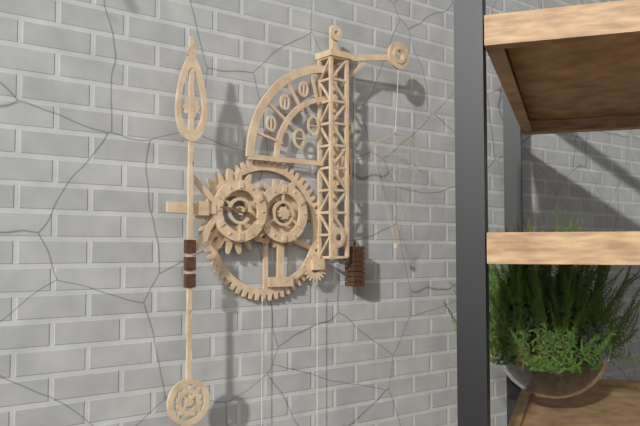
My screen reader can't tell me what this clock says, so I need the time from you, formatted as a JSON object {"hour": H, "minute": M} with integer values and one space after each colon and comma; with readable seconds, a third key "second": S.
{"hour": 3, "minute": 46}
